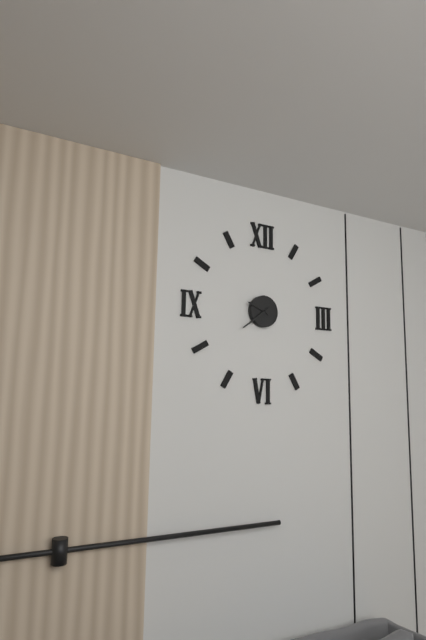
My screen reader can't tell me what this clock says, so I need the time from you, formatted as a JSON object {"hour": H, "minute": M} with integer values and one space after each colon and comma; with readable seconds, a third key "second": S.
{"hour": 9, "minute": 39}
